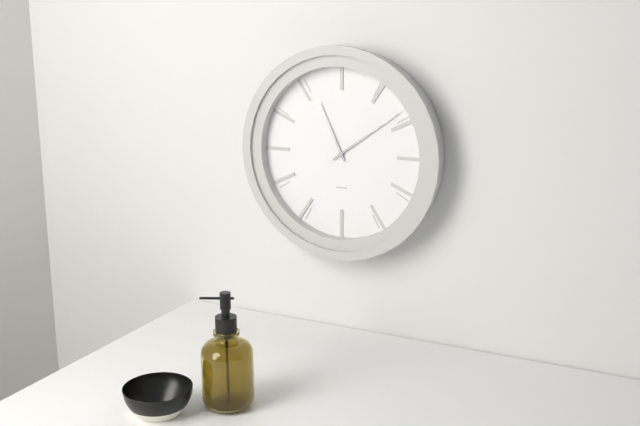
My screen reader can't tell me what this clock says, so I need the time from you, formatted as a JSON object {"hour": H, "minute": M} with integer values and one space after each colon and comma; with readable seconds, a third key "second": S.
{"hour": 11, "minute": 9}
